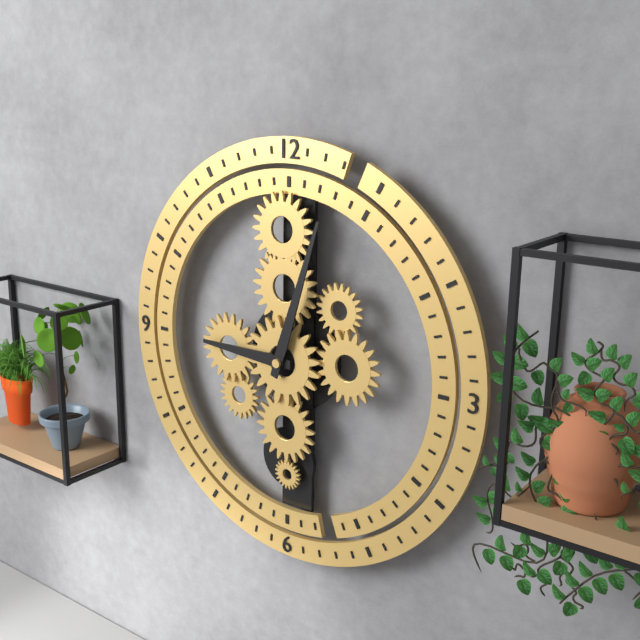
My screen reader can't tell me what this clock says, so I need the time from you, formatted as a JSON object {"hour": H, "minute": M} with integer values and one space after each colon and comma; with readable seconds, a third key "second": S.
{"hour": 9, "minute": 3}
